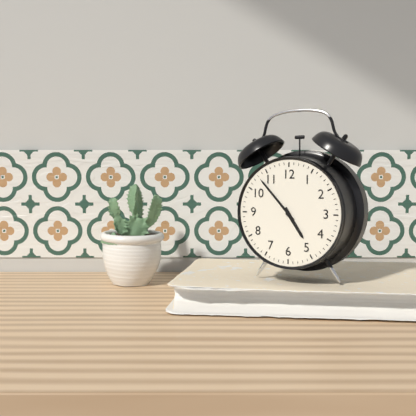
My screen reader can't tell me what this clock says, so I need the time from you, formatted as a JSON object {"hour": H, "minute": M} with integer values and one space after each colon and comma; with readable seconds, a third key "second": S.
{"hour": 4, "minute": 53}
